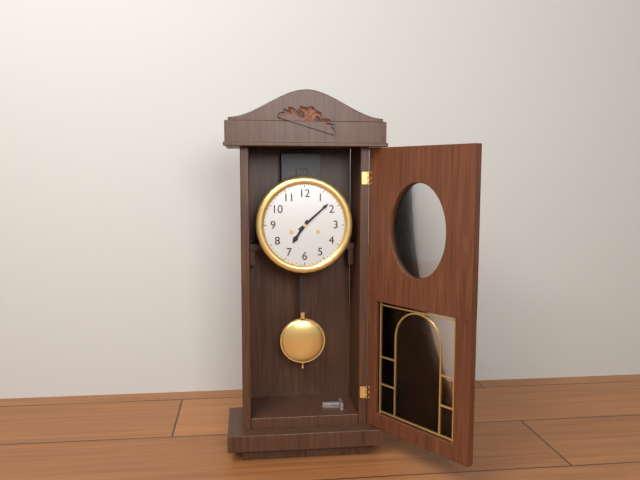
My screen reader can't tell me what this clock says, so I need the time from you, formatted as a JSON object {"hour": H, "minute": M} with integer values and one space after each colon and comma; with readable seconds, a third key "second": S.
{"hour": 7, "minute": 8}
